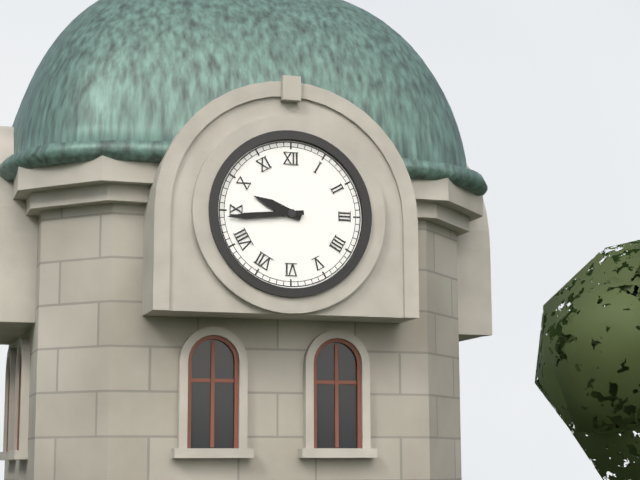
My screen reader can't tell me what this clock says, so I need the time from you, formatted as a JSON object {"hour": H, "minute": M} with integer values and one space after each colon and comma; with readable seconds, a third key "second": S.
{"hour": 9, "minute": 44}
